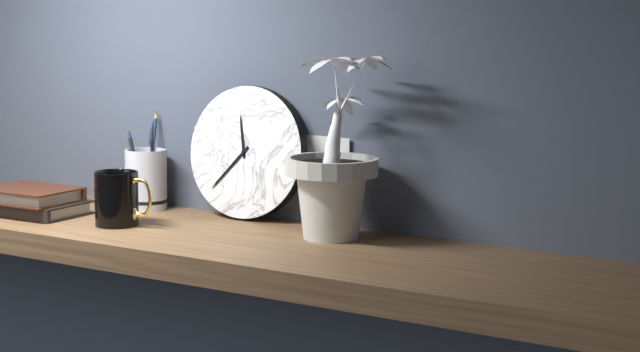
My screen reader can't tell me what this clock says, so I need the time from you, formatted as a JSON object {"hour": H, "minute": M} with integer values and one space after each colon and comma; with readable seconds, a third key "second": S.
{"hour": 11, "minute": 37}
